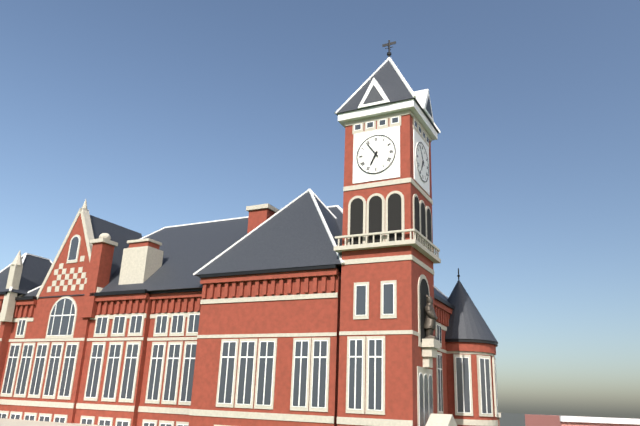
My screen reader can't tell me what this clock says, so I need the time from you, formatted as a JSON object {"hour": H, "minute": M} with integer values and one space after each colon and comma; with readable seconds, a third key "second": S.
{"hour": 6, "minute": 54}
